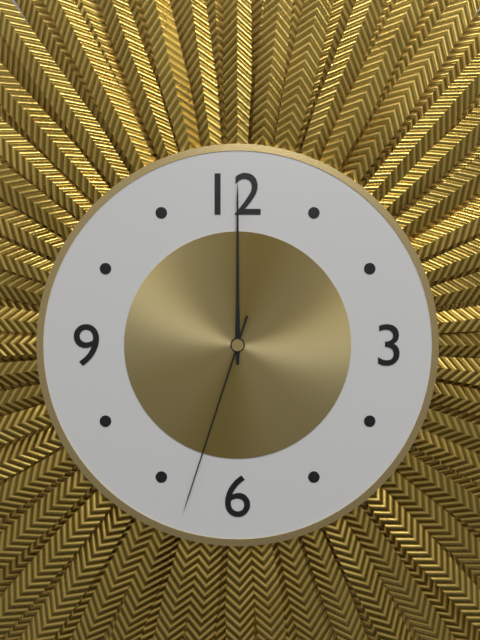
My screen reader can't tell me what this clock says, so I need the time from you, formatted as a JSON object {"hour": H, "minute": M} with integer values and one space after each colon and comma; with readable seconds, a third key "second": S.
{"hour": 12, "minute": 0, "second": 33}
